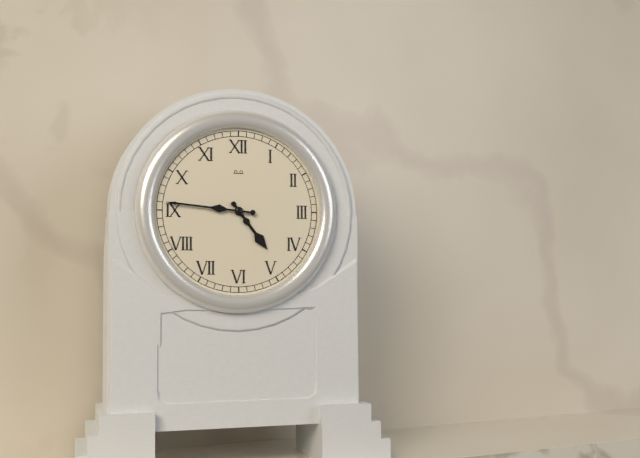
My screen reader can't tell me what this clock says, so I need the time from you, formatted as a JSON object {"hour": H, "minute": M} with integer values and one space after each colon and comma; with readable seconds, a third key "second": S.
{"hour": 4, "minute": 46}
